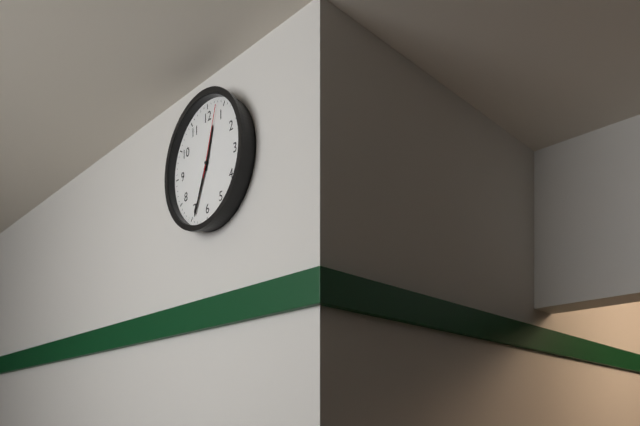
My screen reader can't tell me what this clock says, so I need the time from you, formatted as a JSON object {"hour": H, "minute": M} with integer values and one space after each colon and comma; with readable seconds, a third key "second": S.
{"hour": 12, "minute": 34, "second": 3}
